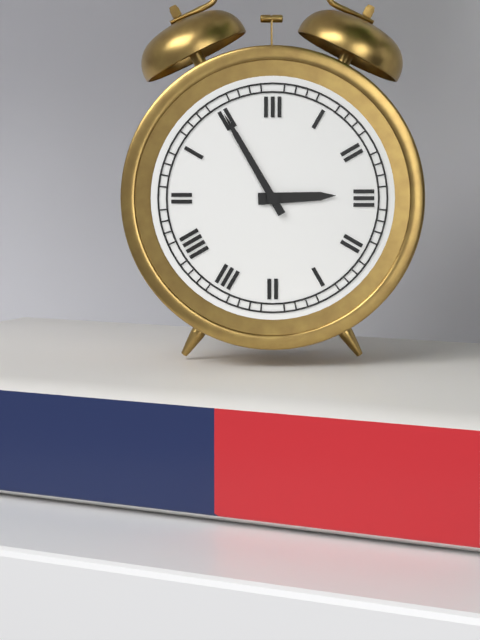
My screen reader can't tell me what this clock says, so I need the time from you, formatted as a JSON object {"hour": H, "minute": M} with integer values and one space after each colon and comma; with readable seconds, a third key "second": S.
{"hour": 2, "minute": 55}
